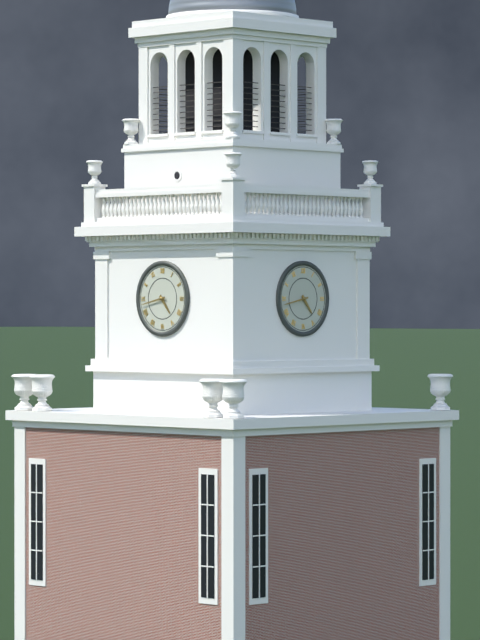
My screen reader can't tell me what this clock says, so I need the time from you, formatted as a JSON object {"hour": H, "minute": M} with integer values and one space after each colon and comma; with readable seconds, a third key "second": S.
{"hour": 4, "minute": 43}
